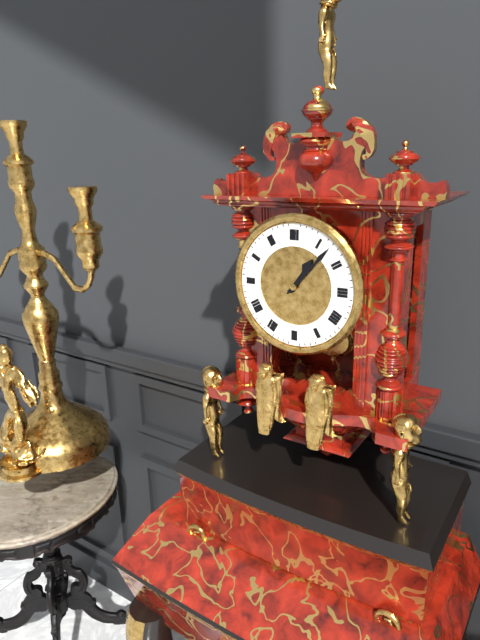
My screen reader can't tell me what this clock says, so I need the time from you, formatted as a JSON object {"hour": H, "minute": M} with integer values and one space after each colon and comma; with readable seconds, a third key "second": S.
{"hour": 1, "minute": 7}
